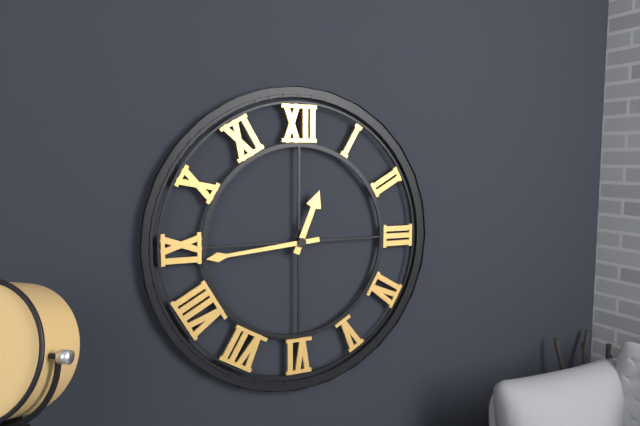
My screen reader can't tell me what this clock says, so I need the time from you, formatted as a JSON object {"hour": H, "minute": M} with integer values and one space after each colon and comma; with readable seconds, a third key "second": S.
{"hour": 12, "minute": 44}
